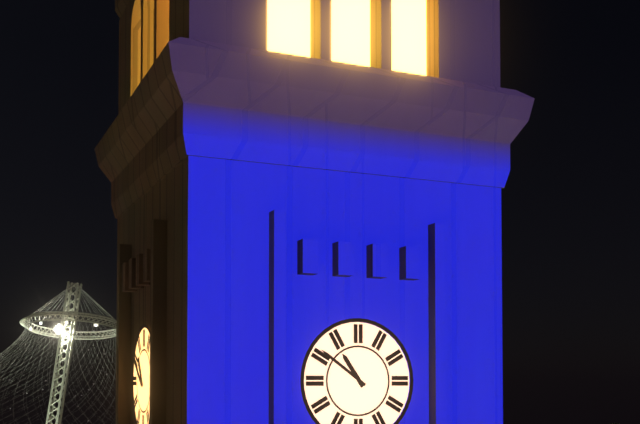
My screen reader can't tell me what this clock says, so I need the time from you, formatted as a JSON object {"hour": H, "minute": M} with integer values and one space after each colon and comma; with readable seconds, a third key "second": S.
{"hour": 10, "minute": 51}
